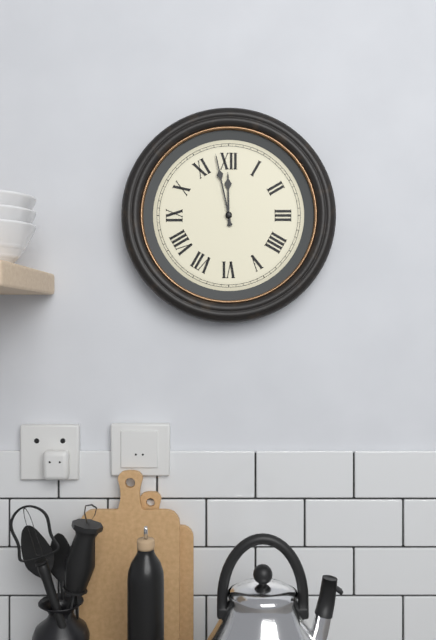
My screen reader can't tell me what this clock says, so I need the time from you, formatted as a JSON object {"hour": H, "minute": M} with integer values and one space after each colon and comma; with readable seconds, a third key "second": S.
{"hour": 11, "minute": 58}
